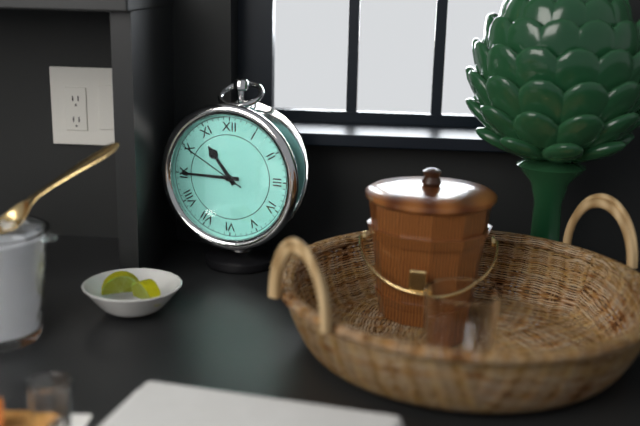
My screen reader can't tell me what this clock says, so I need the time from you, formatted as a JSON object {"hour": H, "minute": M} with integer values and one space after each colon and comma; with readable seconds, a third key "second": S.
{"hour": 10, "minute": 45, "second": 50}
